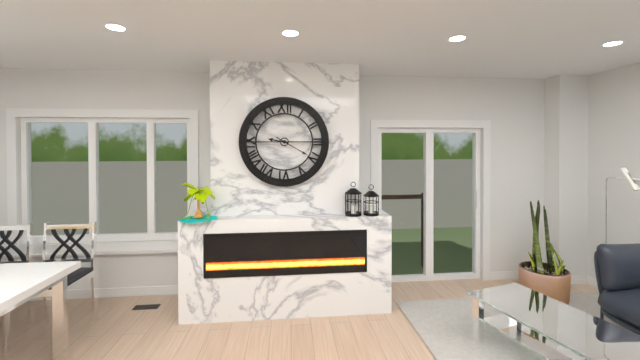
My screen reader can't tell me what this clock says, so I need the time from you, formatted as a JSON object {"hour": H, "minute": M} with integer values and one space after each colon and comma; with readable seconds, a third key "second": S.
{"hour": 9, "minute": 20}
